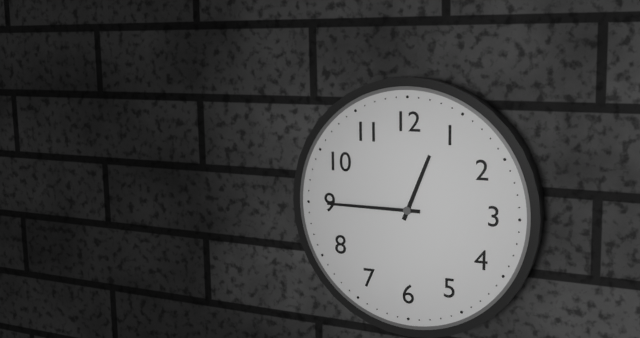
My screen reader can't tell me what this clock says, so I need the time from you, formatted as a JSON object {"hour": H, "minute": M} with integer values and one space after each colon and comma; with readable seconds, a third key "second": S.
{"hour": 12, "minute": 45}
